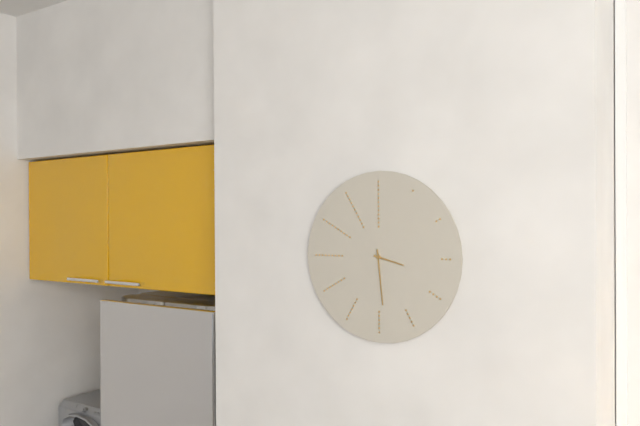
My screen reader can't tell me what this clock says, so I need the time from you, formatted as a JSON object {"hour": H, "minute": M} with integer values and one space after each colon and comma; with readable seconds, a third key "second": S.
{"hour": 3, "minute": 29}
